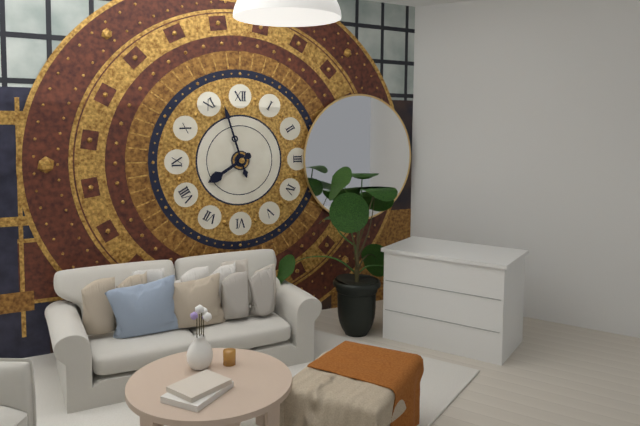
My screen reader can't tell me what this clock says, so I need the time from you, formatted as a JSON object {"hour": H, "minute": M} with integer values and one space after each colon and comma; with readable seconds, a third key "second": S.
{"hour": 7, "minute": 57}
